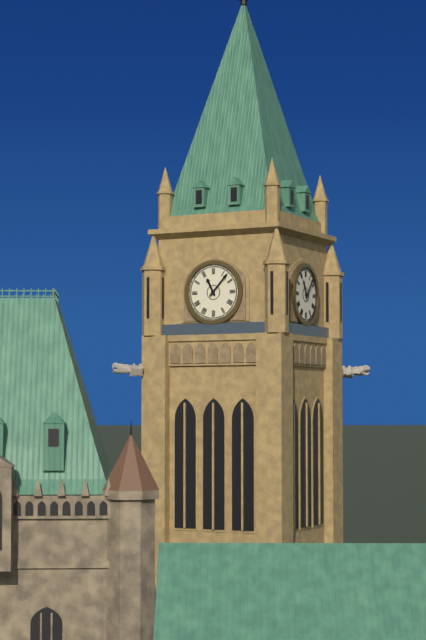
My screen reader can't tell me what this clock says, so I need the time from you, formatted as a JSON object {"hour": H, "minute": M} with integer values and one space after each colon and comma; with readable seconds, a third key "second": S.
{"hour": 11, "minute": 7}
